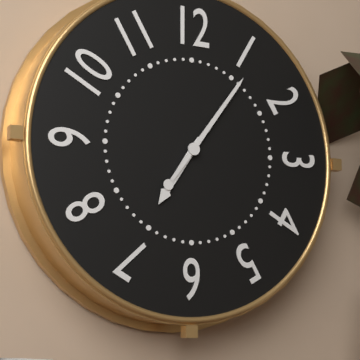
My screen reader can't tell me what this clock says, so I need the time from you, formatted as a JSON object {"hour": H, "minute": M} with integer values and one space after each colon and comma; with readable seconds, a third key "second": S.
{"hour": 7, "minute": 6}
